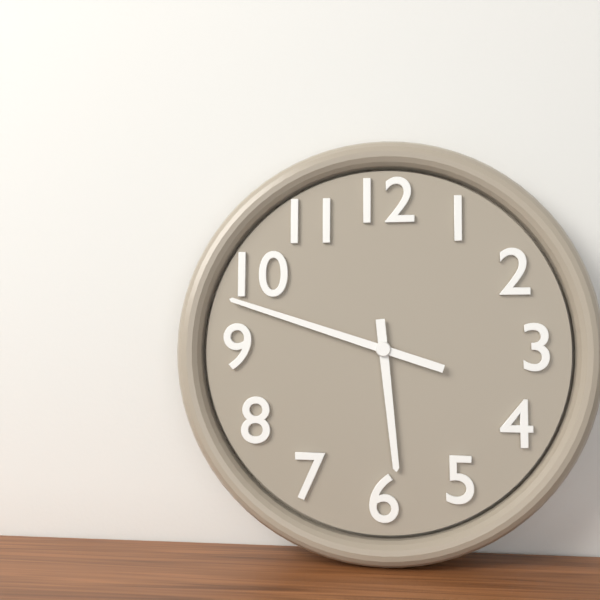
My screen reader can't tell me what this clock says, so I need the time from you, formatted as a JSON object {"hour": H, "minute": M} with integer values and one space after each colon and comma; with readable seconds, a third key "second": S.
{"hour": 5, "minute": 48}
